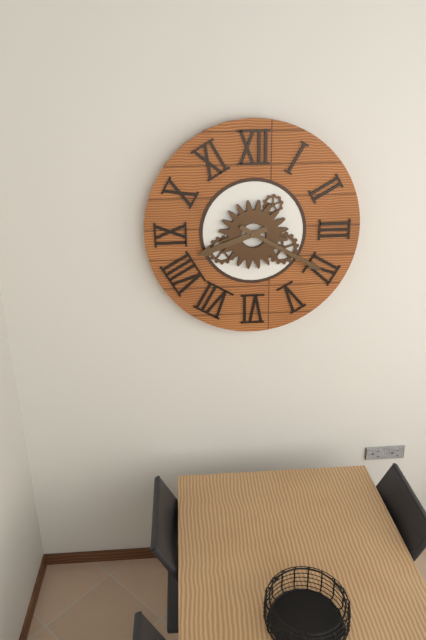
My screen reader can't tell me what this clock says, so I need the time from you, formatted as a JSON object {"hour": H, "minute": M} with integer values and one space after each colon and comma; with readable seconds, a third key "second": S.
{"hour": 8, "minute": 20}
